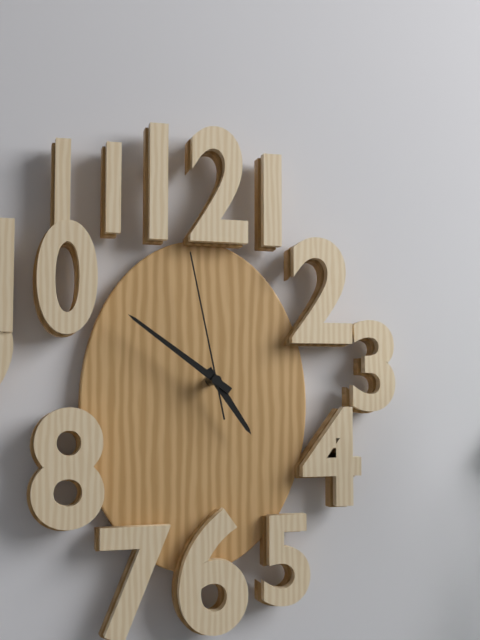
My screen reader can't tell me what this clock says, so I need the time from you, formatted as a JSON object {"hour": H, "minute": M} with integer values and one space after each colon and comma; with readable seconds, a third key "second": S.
{"hour": 4, "minute": 51, "second": 58}
